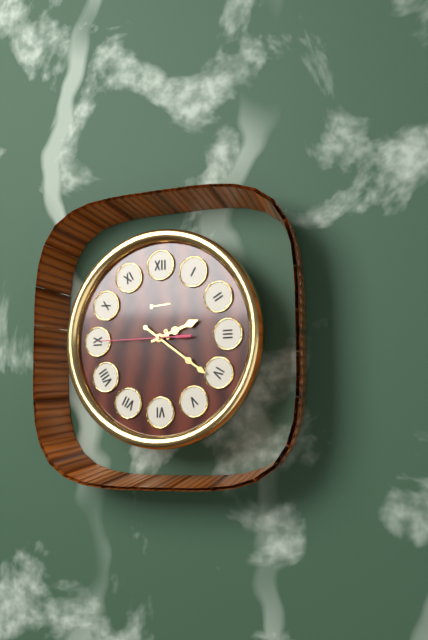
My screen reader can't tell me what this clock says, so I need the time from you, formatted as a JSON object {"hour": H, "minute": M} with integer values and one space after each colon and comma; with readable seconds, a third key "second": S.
{"hour": 2, "minute": 21, "second": 45}
